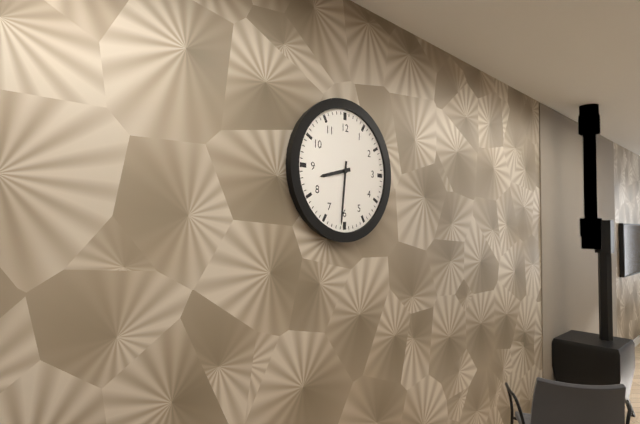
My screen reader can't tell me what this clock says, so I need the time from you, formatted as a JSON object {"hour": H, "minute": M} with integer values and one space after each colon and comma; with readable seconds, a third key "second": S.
{"hour": 8, "minute": 31}
